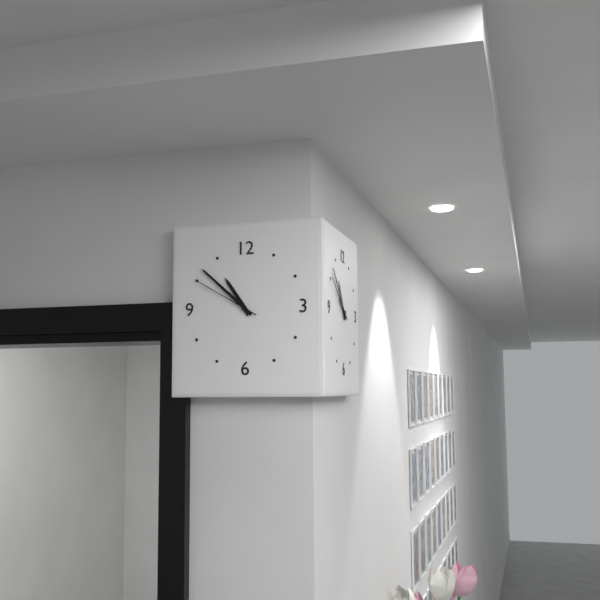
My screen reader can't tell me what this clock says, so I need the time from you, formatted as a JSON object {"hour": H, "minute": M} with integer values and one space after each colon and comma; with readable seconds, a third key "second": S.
{"hour": 10, "minute": 52, "second": 50}
